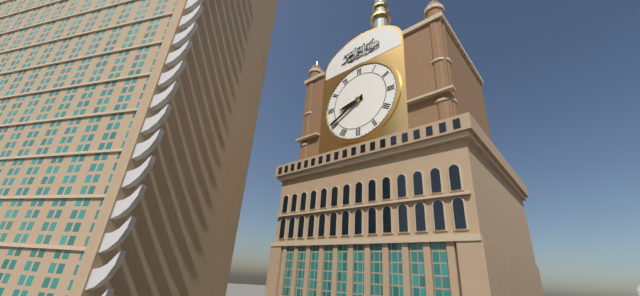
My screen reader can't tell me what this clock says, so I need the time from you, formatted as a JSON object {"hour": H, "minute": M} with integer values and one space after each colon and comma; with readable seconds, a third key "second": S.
{"hour": 8, "minute": 40}
